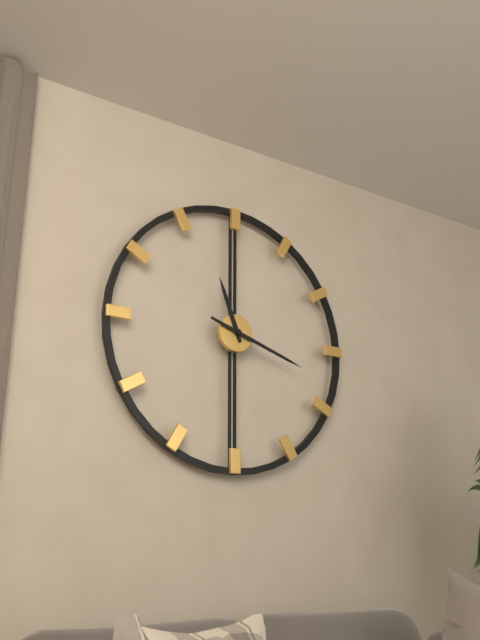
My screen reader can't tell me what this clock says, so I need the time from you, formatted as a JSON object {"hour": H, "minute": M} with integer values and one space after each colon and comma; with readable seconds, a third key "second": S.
{"hour": 11, "minute": 18}
